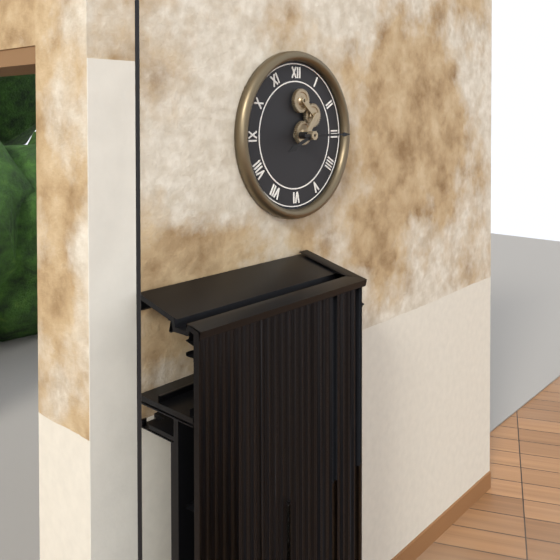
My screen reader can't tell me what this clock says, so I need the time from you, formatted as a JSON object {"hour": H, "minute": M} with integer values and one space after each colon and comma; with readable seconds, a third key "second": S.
{"hour": 8, "minute": 15}
